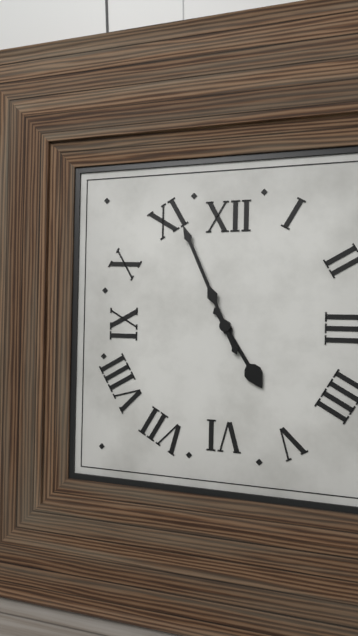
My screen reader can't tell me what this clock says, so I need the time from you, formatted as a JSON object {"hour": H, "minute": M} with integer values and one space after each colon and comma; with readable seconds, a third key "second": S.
{"hour": 4, "minute": 56}
